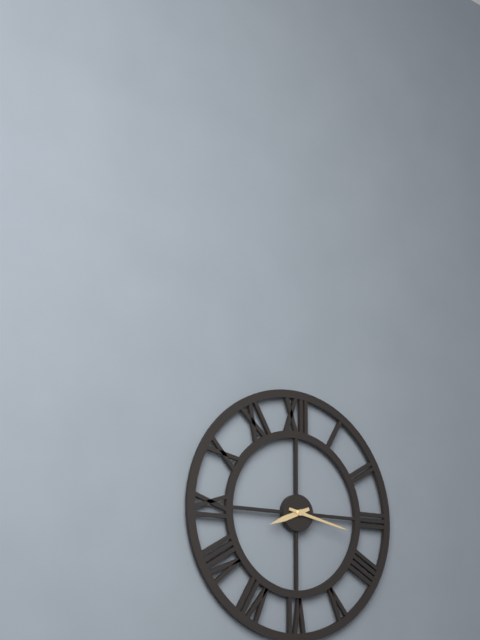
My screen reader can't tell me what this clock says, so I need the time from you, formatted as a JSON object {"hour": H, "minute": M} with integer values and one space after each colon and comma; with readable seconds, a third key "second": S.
{"hour": 8, "minute": 17}
